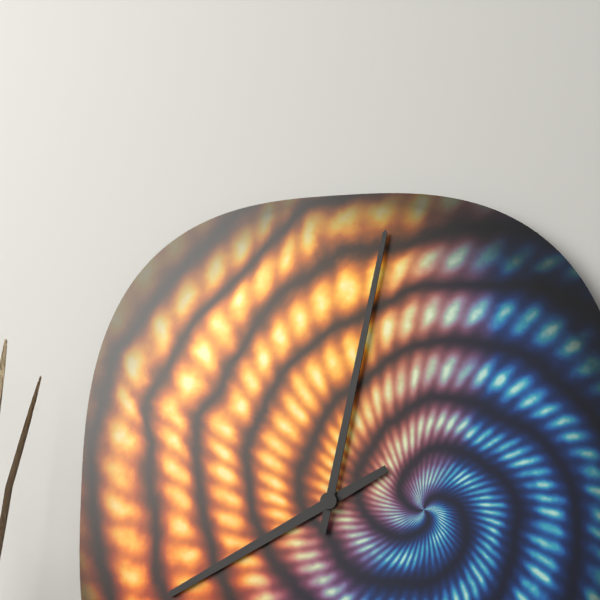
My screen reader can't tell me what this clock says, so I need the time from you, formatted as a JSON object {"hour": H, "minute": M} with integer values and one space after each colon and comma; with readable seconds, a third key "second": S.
{"hour": 8, "minute": 2}
